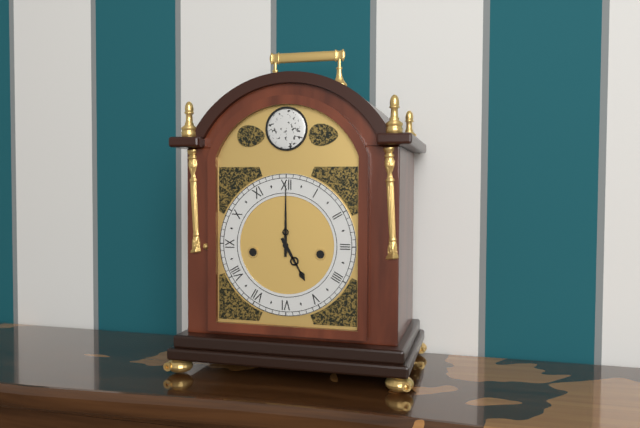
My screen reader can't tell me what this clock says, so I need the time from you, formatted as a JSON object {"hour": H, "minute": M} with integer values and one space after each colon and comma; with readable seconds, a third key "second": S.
{"hour": 5, "minute": 0}
